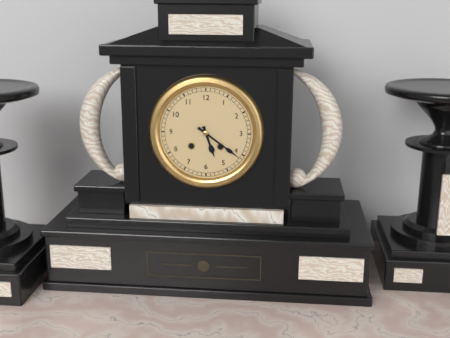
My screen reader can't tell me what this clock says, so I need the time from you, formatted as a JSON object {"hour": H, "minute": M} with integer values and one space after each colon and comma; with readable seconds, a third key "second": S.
{"hour": 5, "minute": 21}
